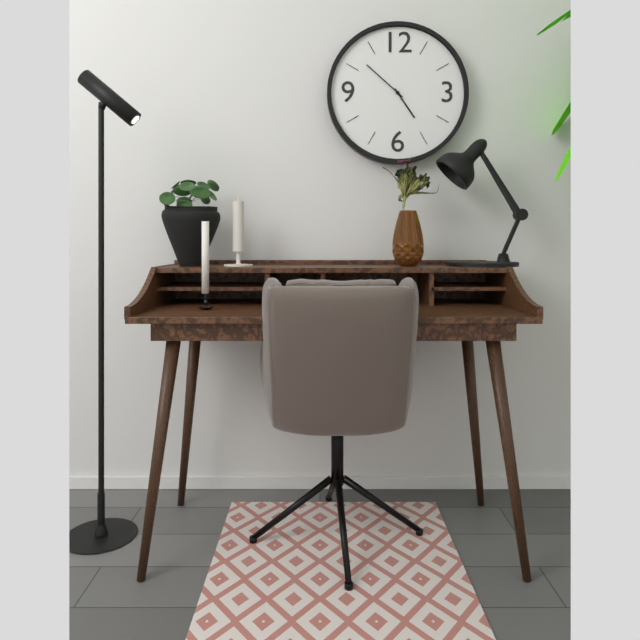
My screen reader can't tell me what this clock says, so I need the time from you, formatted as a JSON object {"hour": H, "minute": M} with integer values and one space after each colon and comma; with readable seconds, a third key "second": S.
{"hour": 4, "minute": 52}
